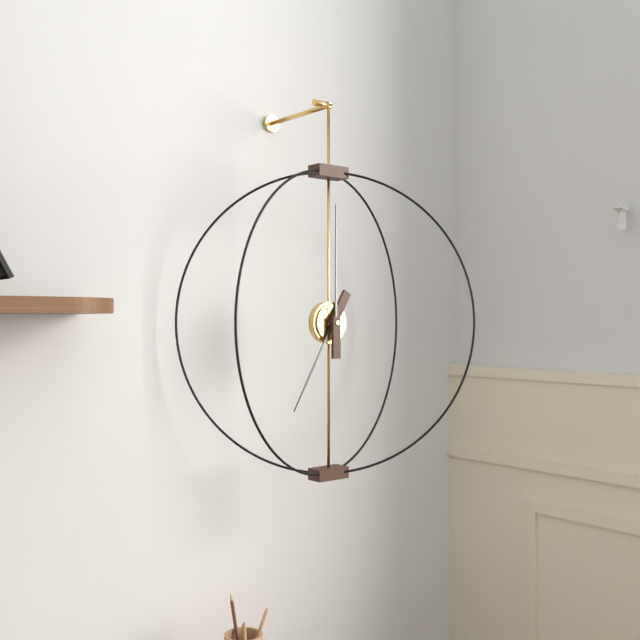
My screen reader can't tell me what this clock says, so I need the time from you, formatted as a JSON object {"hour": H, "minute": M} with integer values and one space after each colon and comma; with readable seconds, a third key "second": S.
{"hour": 7, "minute": 0}
